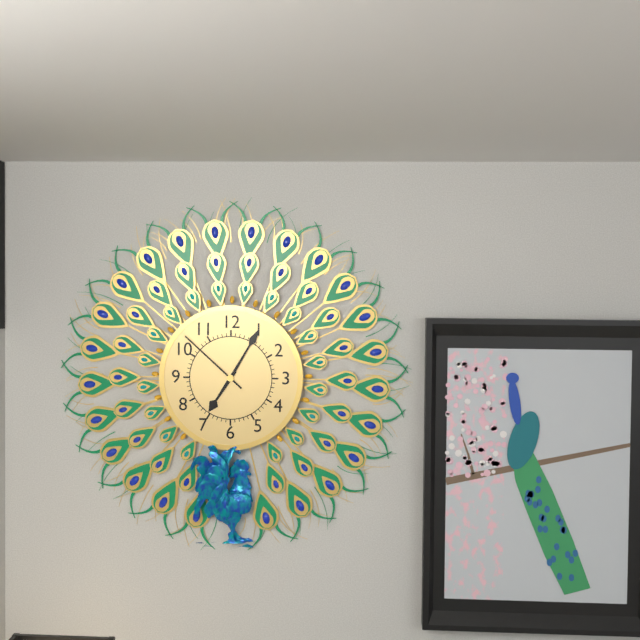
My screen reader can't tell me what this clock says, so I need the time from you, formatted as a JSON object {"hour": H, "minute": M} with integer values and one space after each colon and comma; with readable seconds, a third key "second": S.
{"hour": 7, "minute": 5, "second": 52}
